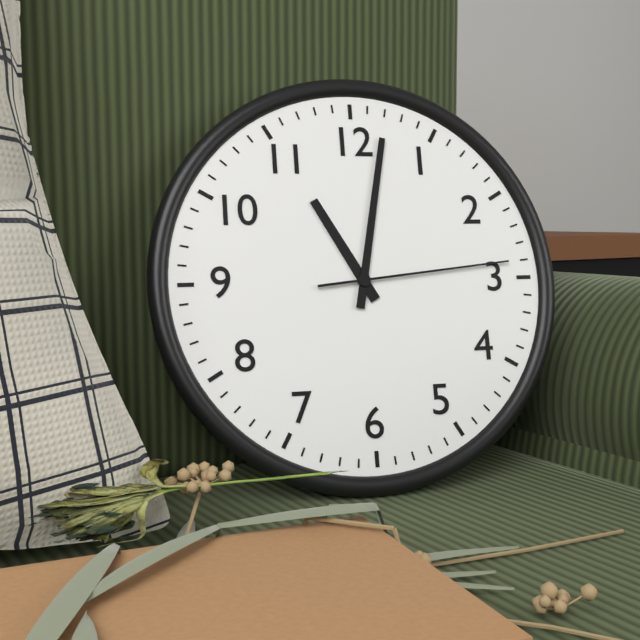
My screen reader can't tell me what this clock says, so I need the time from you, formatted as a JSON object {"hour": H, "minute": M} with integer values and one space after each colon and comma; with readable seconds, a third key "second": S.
{"hour": 11, "minute": 2, "second": 14}
